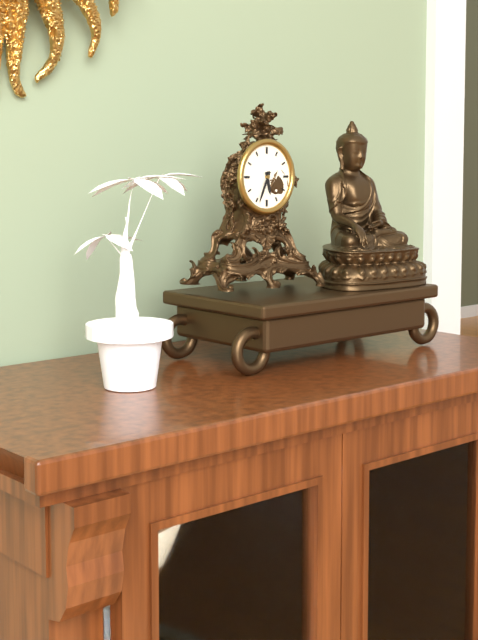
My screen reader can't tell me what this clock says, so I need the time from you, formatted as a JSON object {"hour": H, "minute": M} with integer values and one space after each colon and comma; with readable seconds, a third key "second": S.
{"hour": 5, "minute": 34}
